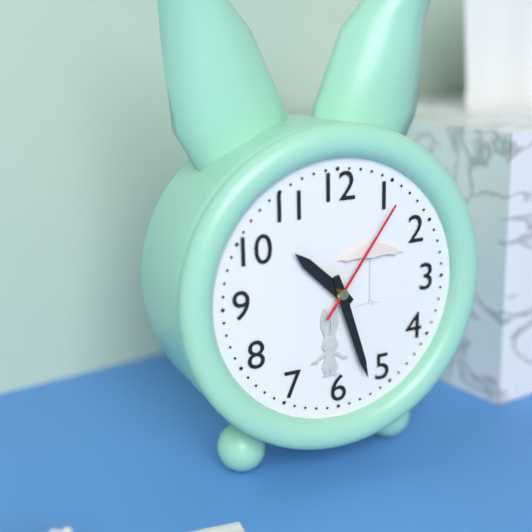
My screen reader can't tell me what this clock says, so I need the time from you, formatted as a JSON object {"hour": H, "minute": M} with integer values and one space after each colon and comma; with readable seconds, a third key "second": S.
{"hour": 10, "minute": 27, "second": 6}
